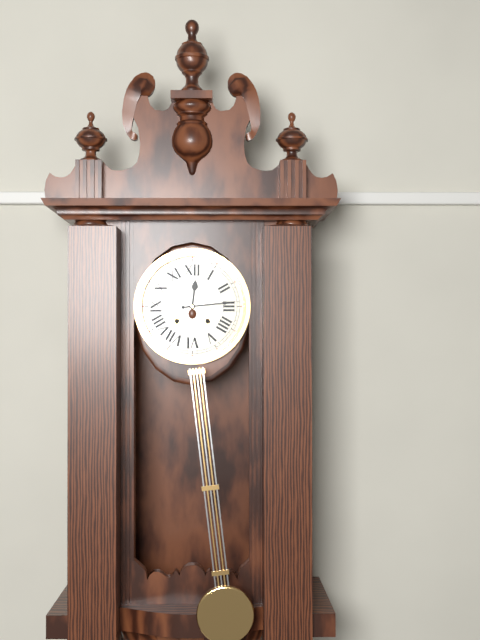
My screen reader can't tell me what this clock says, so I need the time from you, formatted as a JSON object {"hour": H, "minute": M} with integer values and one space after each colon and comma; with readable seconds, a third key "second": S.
{"hour": 12, "minute": 14}
